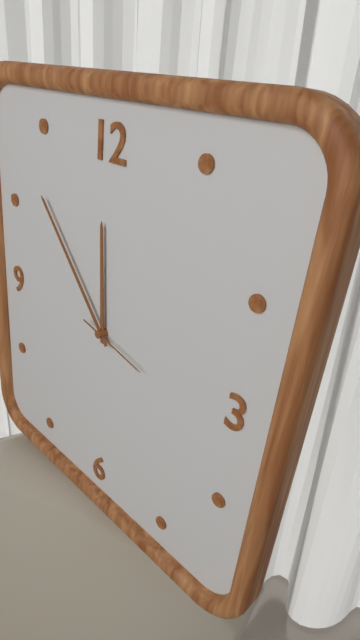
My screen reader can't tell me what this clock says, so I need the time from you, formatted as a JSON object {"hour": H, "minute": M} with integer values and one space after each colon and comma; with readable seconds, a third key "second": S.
{"hour": 11, "minute": 53, "second": 17}
